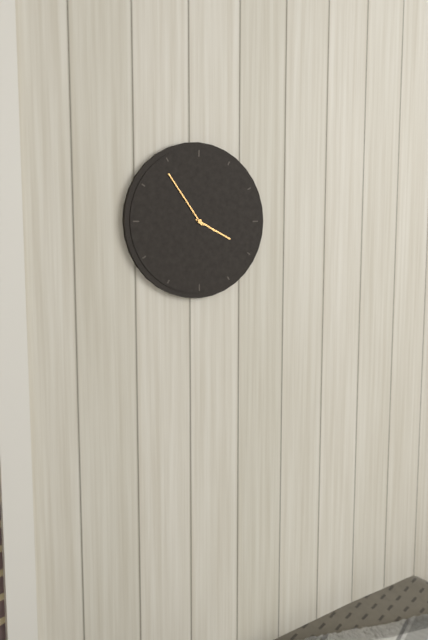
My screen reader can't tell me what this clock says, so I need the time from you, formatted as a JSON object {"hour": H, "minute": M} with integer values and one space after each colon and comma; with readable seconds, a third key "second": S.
{"hour": 3, "minute": 54}
